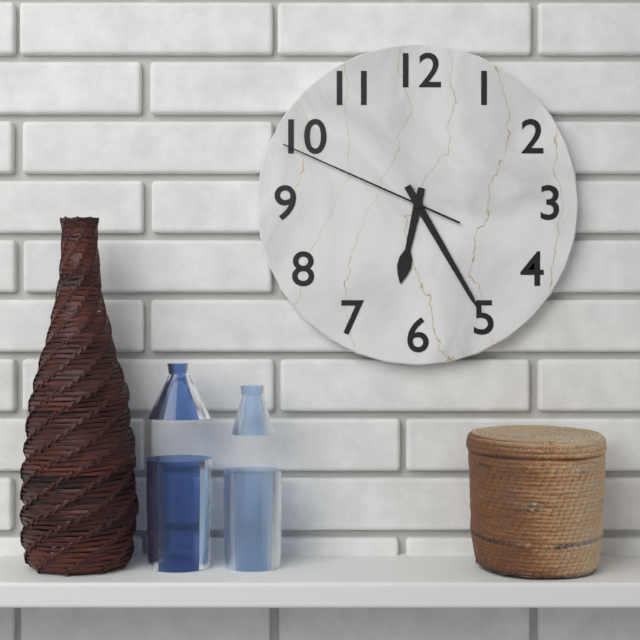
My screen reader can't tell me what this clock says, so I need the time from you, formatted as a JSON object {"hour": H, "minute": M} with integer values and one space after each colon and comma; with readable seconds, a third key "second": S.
{"hour": 6, "minute": 25, "second": 49}
